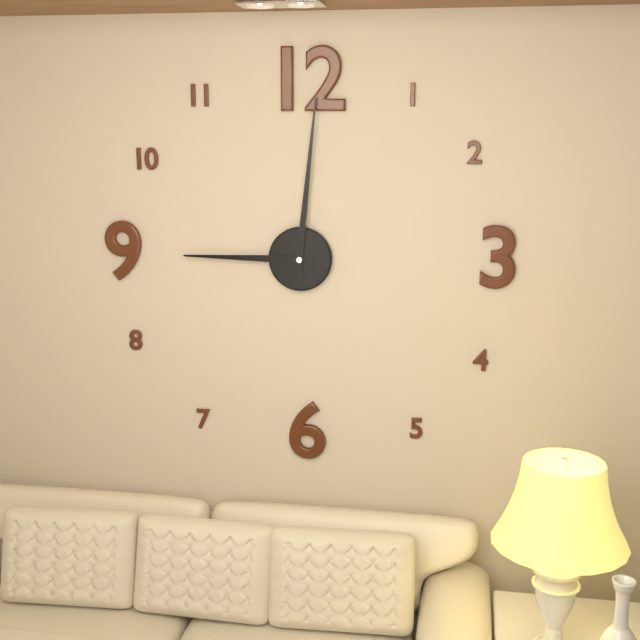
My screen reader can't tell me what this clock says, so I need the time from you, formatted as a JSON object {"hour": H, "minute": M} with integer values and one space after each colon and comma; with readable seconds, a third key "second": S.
{"hour": 9, "minute": 1}
